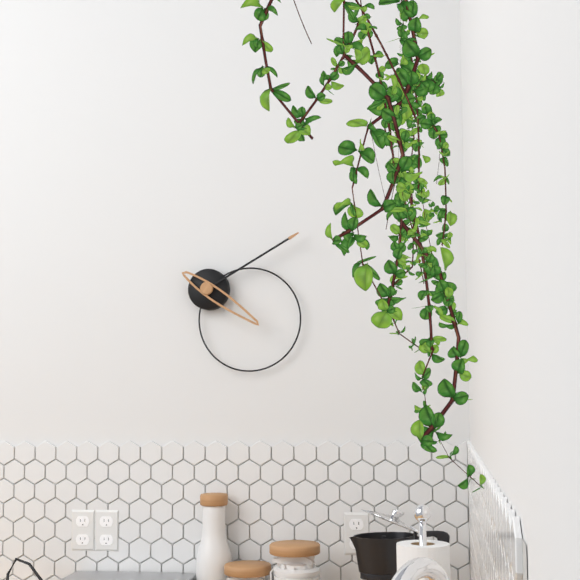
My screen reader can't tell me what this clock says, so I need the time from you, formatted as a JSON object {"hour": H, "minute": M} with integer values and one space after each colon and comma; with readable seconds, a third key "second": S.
{"hour": 4, "minute": 10}
